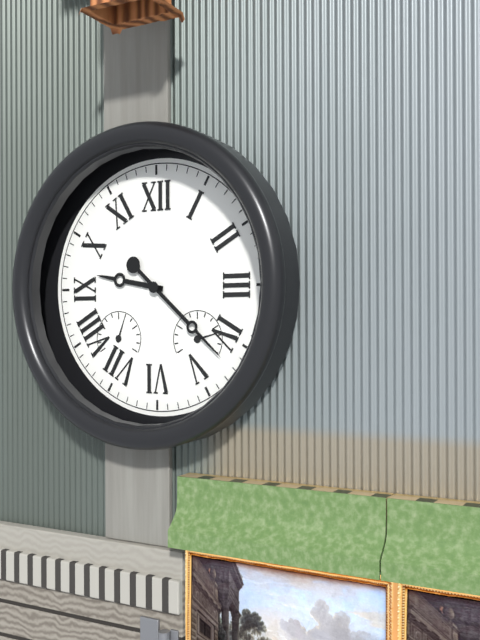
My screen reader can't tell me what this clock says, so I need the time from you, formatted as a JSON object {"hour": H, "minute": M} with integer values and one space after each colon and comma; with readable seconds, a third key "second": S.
{"hour": 9, "minute": 22}
